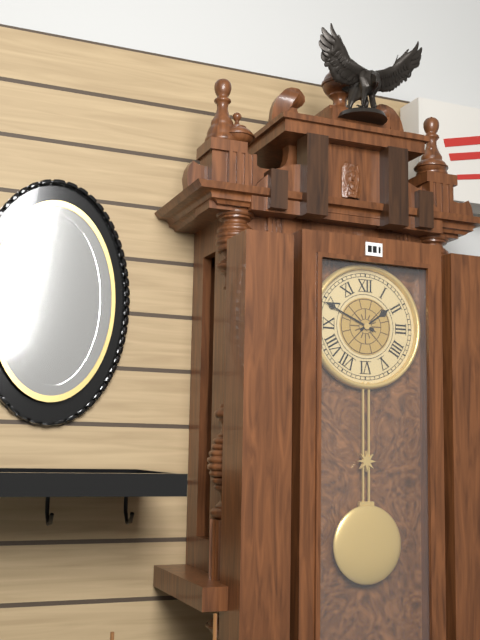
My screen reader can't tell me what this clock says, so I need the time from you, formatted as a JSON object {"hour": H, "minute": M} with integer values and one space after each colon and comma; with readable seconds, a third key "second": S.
{"hour": 1, "minute": 49}
